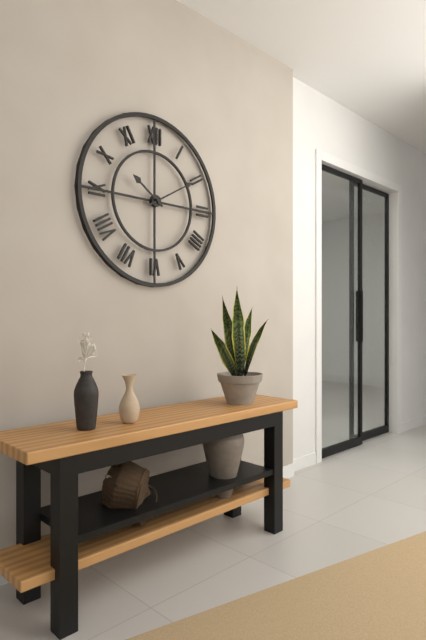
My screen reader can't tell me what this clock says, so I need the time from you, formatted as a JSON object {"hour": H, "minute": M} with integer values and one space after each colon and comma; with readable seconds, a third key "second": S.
{"hour": 10, "minute": 10}
